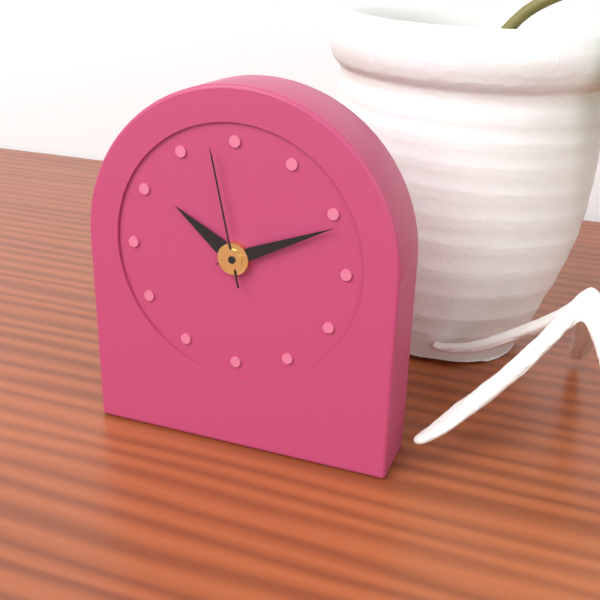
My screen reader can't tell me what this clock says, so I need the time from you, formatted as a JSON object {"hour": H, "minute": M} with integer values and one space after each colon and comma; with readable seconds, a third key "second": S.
{"hour": 10, "minute": 11, "second": 58}
